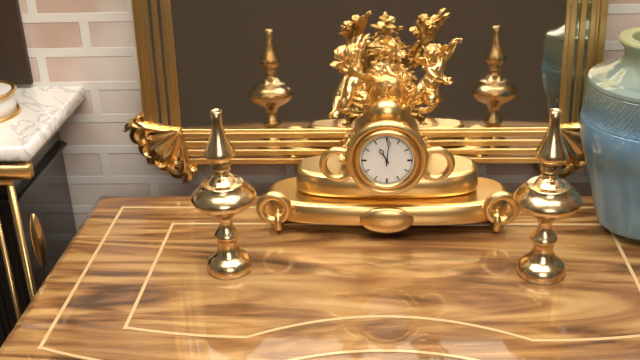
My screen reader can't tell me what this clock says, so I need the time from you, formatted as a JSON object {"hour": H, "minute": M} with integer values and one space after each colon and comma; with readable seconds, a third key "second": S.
{"hour": 11, "minute": 1}
